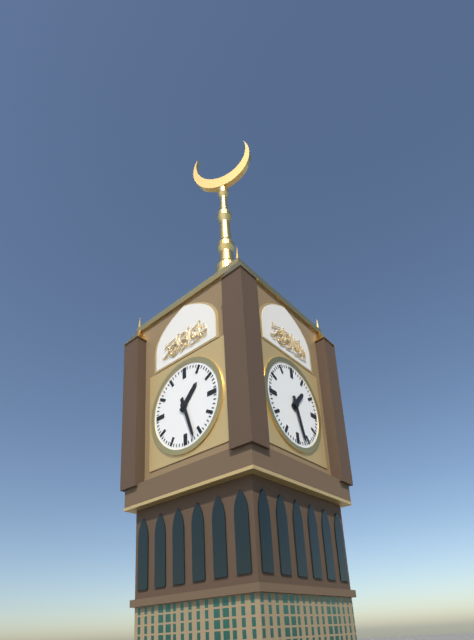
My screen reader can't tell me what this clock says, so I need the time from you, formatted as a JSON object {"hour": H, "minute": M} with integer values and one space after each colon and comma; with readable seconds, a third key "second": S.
{"hour": 1, "minute": 27}
